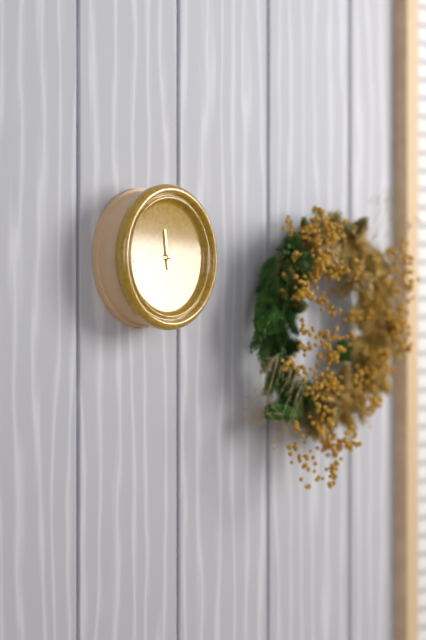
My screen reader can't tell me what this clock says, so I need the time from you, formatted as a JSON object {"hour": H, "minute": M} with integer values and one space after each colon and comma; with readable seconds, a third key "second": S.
{"hour": 11, "minute": 44}
